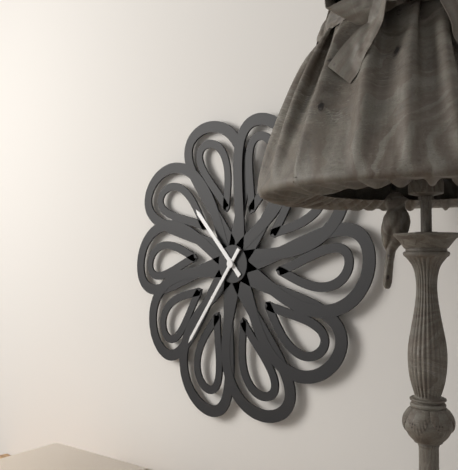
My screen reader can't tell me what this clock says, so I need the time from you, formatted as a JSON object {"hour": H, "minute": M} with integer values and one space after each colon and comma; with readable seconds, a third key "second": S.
{"hour": 10, "minute": 36}
